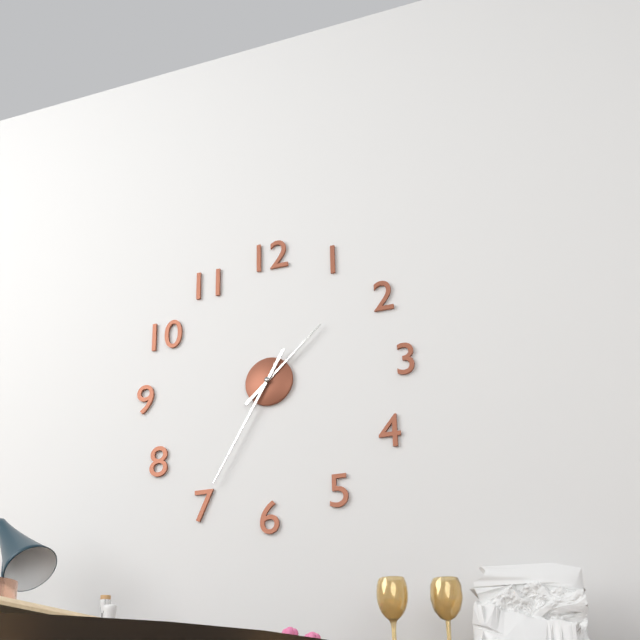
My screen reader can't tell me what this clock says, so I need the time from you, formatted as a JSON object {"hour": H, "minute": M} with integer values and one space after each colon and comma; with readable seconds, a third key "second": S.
{"hour": 1, "minute": 35}
